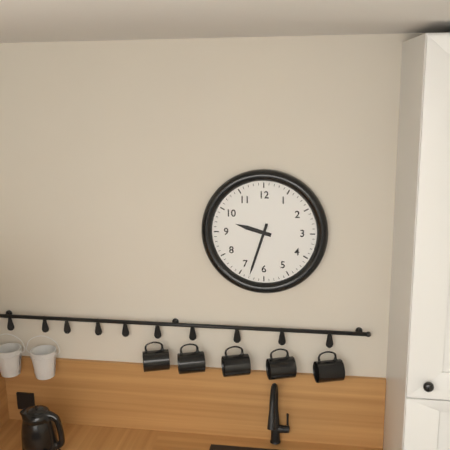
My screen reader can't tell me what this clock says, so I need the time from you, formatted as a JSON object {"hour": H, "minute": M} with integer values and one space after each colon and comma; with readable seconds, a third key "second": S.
{"hour": 9, "minute": 33}
